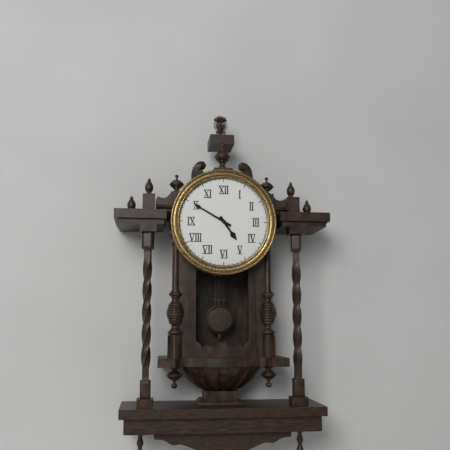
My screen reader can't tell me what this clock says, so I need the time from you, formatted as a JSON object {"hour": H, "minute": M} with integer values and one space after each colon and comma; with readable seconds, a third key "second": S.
{"hour": 4, "minute": 50}
